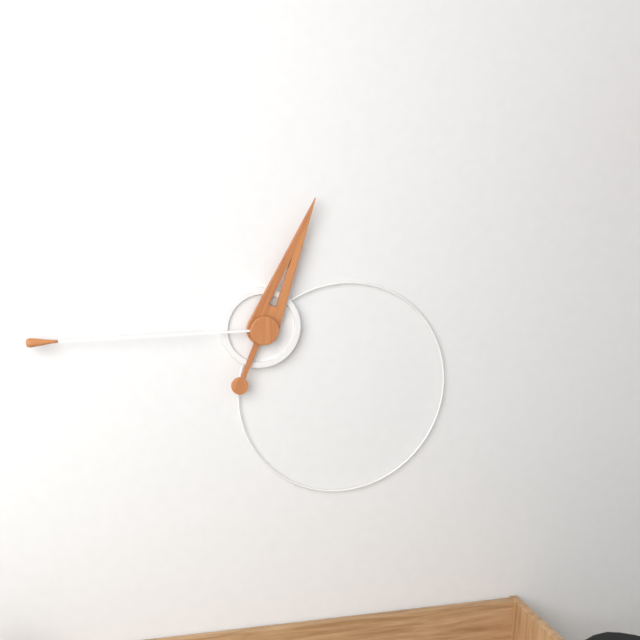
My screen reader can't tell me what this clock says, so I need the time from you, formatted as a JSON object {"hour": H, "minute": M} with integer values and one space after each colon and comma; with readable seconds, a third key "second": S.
{"hour": 12, "minute": 45}
